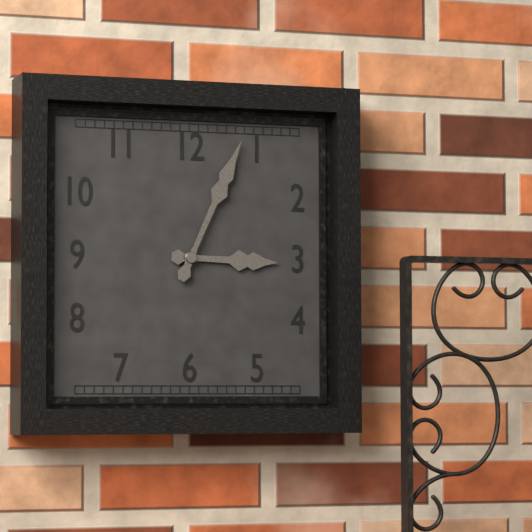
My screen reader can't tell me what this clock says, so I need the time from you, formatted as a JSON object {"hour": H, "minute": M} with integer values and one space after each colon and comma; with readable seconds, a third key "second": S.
{"hour": 3, "minute": 4}
